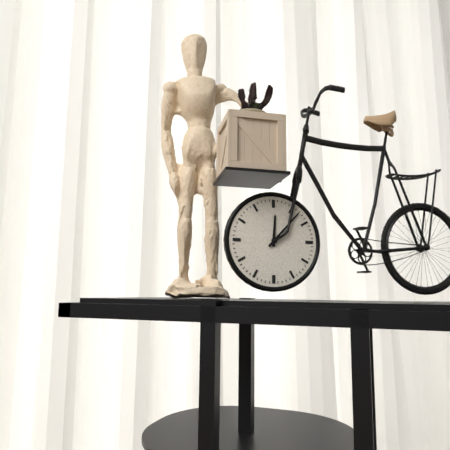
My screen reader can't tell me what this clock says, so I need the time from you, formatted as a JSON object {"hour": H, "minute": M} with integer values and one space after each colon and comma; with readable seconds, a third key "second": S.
{"hour": 12, "minute": 7}
